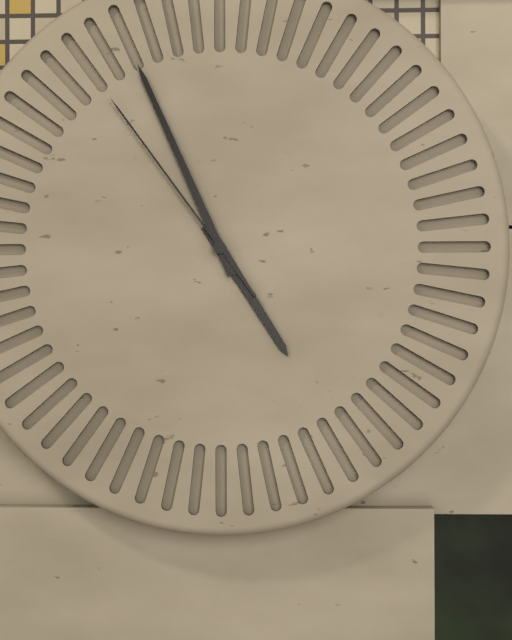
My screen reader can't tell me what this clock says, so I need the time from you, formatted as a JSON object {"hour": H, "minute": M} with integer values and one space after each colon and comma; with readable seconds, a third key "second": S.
{"hour": 4, "minute": 56, "second": 54}
